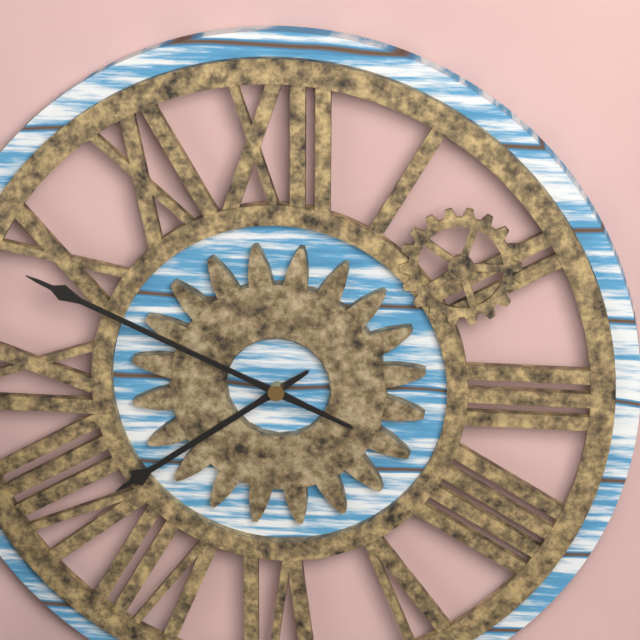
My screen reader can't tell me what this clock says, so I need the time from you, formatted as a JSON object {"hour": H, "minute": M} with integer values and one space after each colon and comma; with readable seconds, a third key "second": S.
{"hour": 7, "minute": 49}
